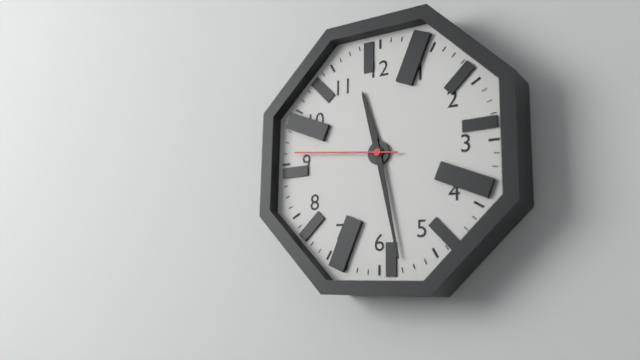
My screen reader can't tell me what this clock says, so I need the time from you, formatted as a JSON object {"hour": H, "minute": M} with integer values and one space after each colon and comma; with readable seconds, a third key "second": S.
{"hour": 11, "minute": 28, "second": 46}
